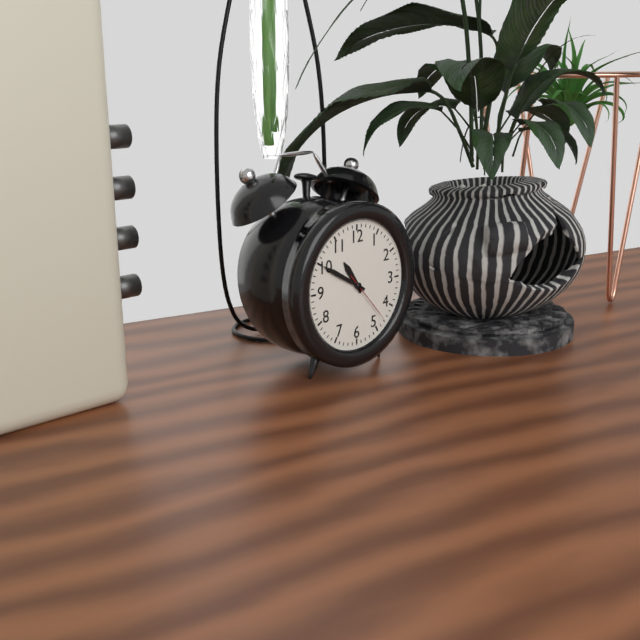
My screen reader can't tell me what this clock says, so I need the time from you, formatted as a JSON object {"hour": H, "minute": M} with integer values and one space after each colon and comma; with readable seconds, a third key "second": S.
{"hour": 10, "minute": 50, "second": 23}
